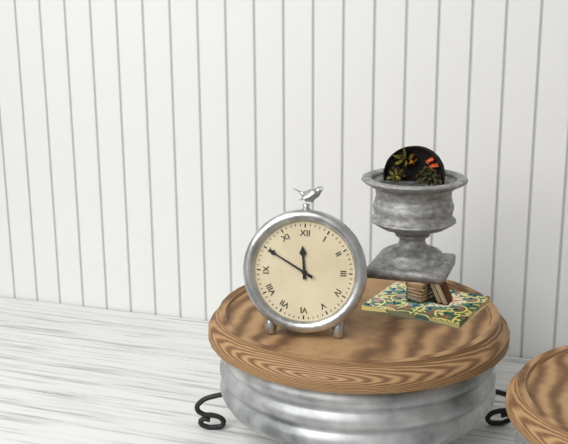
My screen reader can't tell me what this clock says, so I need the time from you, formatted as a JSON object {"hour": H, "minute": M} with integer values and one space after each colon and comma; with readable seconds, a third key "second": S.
{"hour": 11, "minute": 50}
